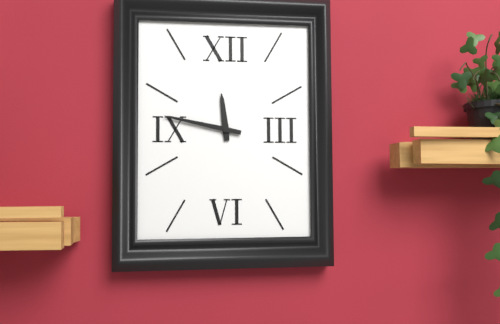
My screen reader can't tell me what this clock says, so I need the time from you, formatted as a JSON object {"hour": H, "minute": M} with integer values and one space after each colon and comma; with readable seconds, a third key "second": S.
{"hour": 11, "minute": 47}
